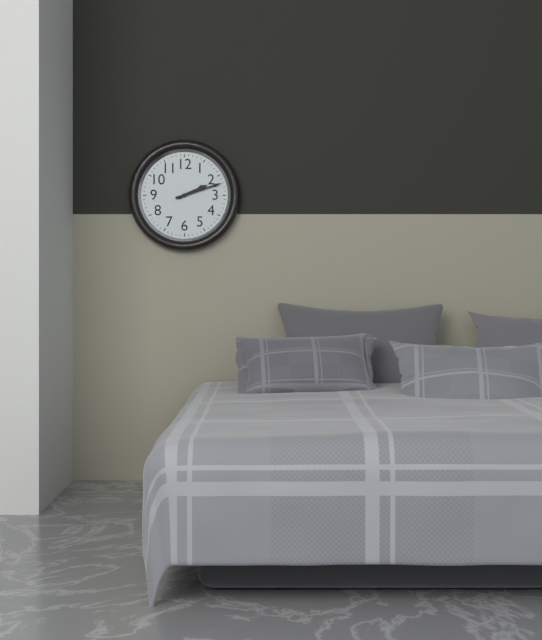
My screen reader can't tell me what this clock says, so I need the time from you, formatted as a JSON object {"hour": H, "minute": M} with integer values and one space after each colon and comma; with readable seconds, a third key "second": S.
{"hour": 2, "minute": 12}
